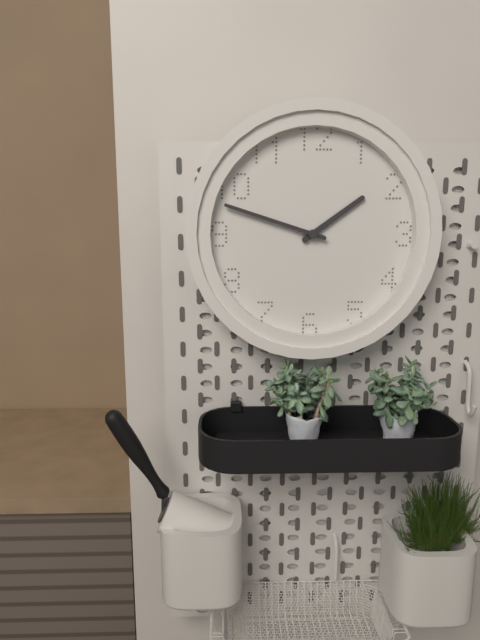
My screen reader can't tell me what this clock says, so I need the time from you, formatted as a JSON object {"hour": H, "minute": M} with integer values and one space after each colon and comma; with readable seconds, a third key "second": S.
{"hour": 1, "minute": 48}
